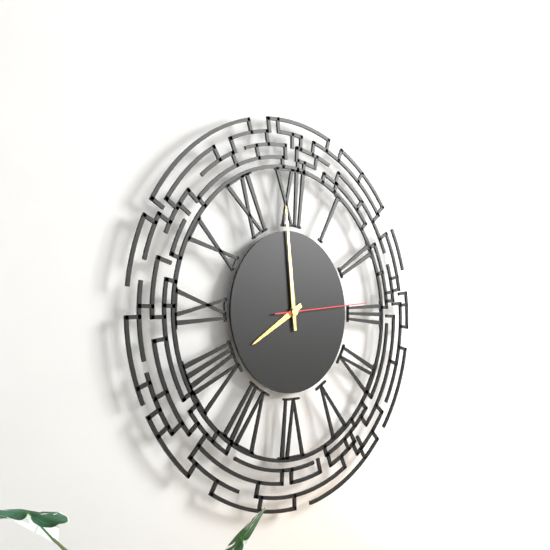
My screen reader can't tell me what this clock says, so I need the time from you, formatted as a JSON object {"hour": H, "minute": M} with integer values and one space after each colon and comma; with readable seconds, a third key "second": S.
{"hour": 7, "minute": 59, "second": 14}
